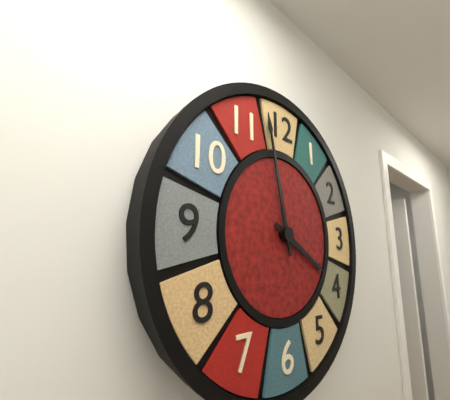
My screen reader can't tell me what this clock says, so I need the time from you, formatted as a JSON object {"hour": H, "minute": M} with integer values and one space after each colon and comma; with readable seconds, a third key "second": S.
{"hour": 3, "minute": 58}
